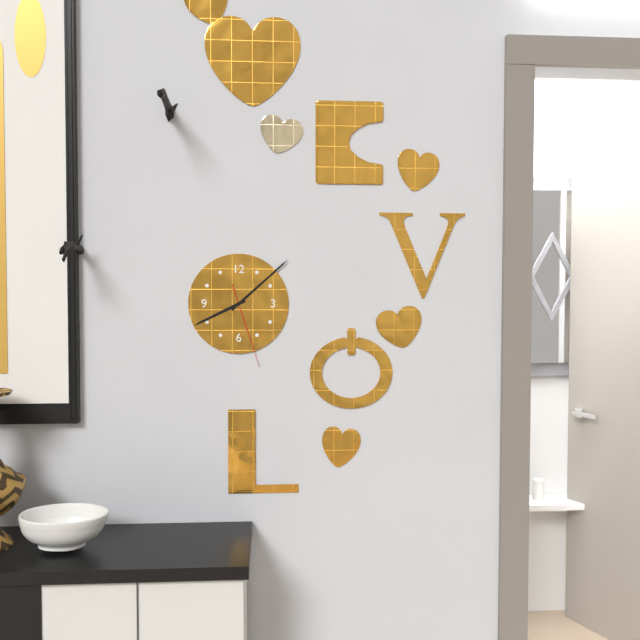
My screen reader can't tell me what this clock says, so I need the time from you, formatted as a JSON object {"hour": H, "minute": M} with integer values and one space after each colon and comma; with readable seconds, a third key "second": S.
{"hour": 8, "minute": 8, "second": 27}
